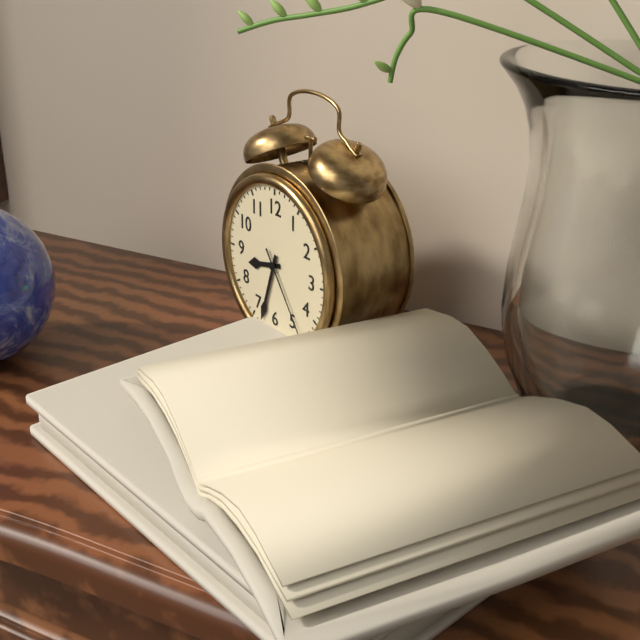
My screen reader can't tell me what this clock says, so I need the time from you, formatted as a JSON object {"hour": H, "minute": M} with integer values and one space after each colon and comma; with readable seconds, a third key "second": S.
{"hour": 8, "minute": 33, "second": 24}
